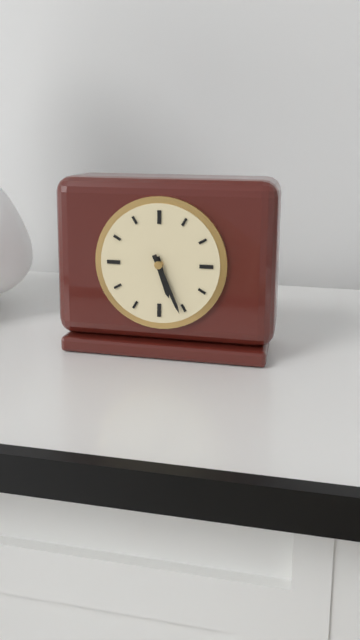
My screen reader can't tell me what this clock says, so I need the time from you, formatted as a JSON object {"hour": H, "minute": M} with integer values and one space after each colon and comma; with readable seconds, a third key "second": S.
{"hour": 5, "minute": 26}
